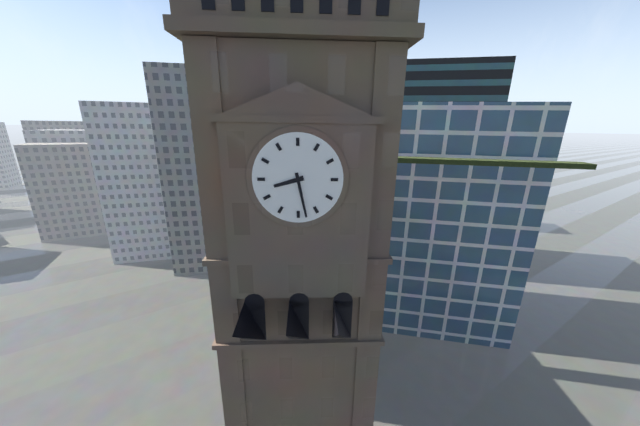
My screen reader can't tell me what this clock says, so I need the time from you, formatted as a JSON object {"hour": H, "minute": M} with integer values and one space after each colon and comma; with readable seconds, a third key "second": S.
{"hour": 8, "minute": 28}
